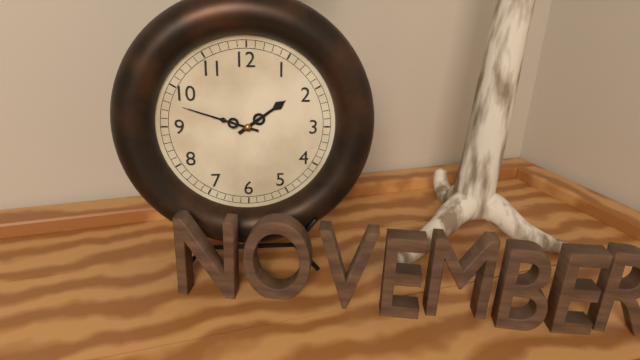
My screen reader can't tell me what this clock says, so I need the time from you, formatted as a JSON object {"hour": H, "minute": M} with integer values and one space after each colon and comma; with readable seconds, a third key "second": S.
{"hour": 1, "minute": 48}
